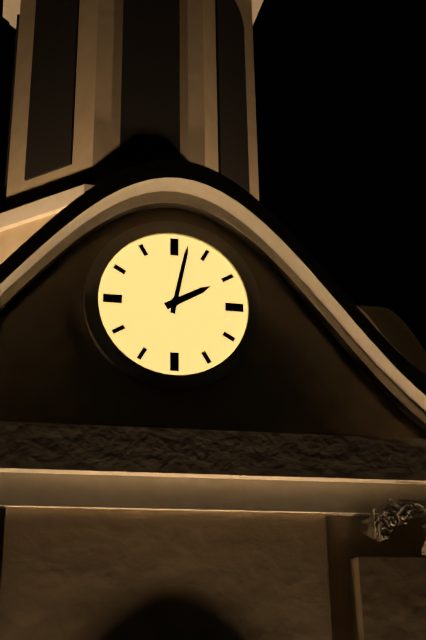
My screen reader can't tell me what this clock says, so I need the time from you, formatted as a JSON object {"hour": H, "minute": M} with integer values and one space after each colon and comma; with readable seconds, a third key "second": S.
{"hour": 2, "minute": 2}
